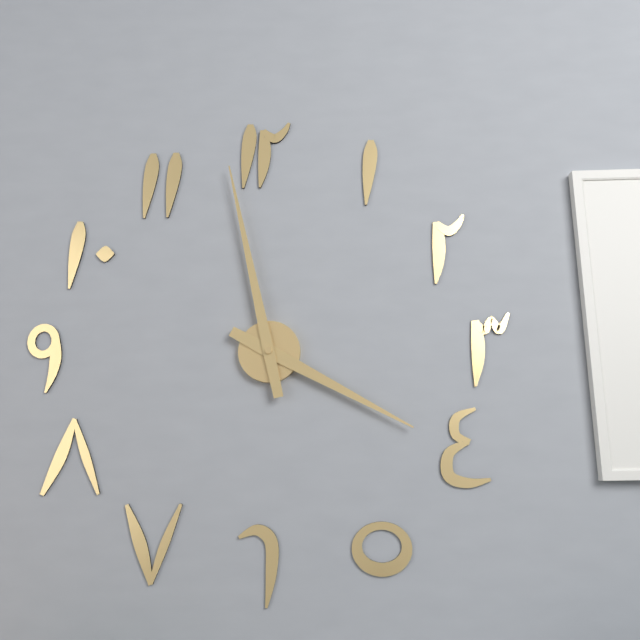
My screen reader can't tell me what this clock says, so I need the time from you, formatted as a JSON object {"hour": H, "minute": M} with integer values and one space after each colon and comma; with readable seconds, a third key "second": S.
{"hour": 3, "minute": 58}
